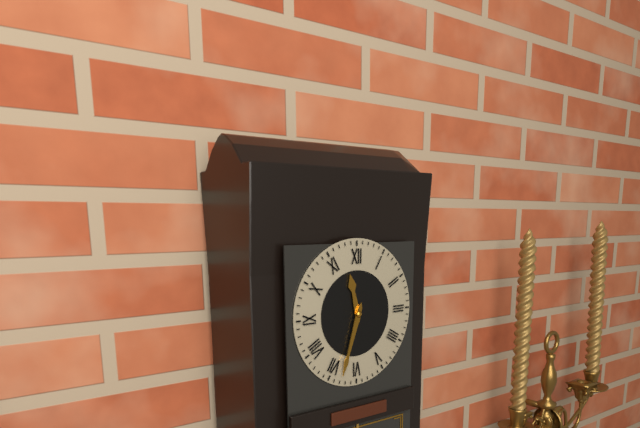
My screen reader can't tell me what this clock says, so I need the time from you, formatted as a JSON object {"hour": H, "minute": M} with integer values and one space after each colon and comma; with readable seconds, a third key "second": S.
{"hour": 11, "minute": 33}
